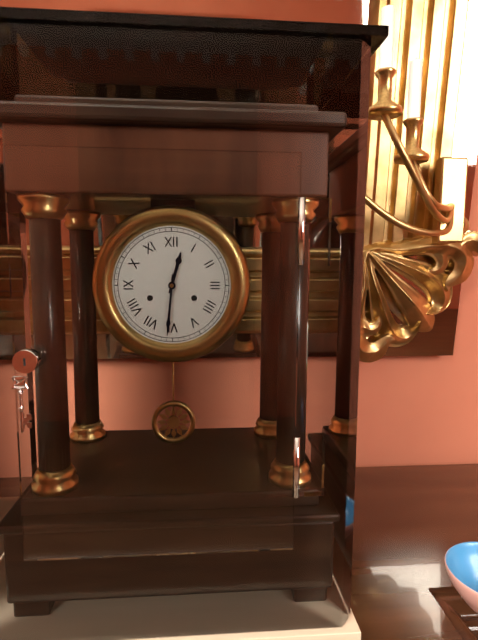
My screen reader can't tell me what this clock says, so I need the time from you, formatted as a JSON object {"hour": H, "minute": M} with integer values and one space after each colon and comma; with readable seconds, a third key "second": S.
{"hour": 12, "minute": 31}
